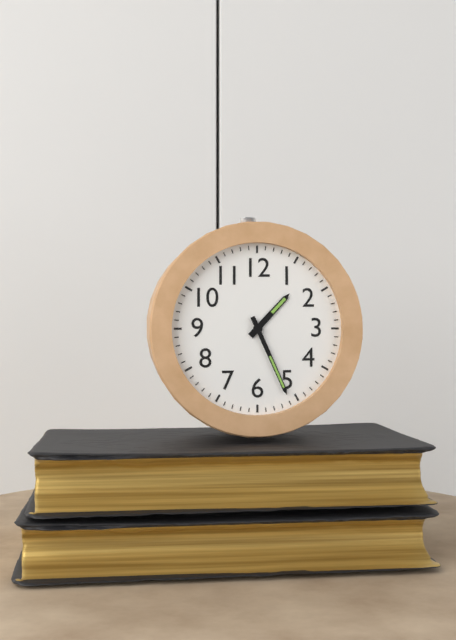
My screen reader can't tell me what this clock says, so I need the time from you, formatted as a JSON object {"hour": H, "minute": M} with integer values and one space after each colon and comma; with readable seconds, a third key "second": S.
{"hour": 1, "minute": 26}
